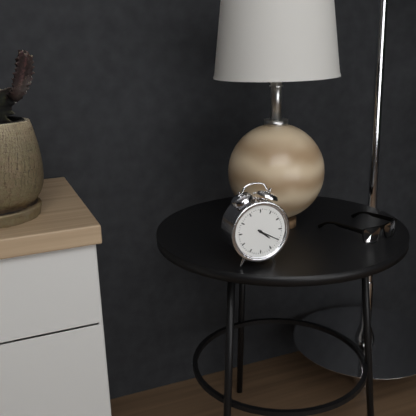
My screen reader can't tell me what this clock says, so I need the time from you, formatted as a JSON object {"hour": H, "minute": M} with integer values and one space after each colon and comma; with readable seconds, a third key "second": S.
{"hour": 4, "minute": 20}
